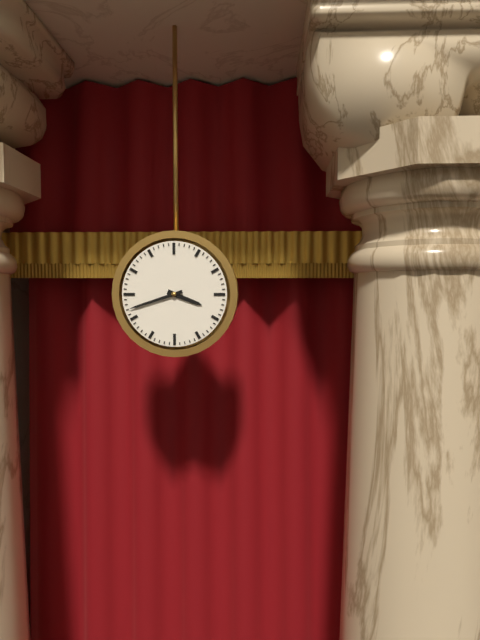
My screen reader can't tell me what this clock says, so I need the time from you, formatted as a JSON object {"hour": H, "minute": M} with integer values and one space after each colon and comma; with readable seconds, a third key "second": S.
{"hour": 3, "minute": 42}
